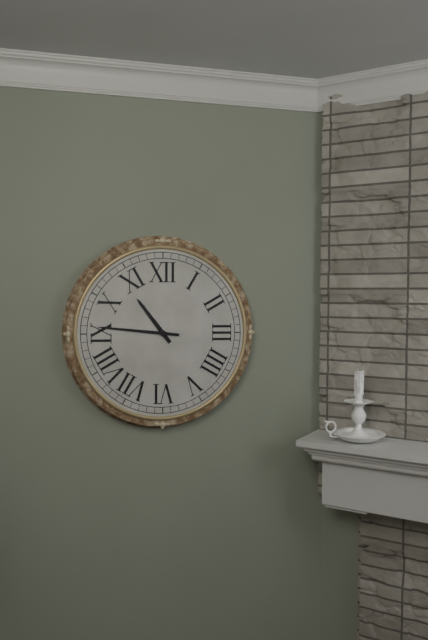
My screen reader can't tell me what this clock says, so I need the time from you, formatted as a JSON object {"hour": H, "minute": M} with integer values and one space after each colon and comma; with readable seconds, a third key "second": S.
{"hour": 10, "minute": 46}
